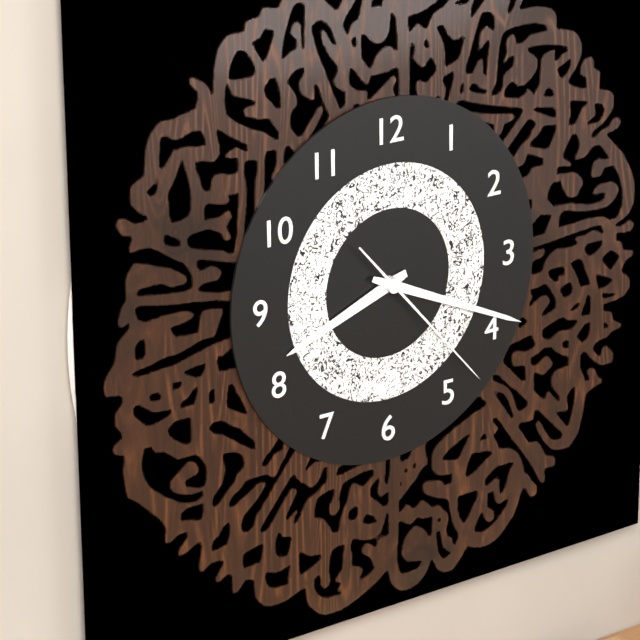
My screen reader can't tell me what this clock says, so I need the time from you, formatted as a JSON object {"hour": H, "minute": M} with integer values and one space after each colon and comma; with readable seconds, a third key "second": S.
{"hour": 8, "minute": 19, "second": 23}
